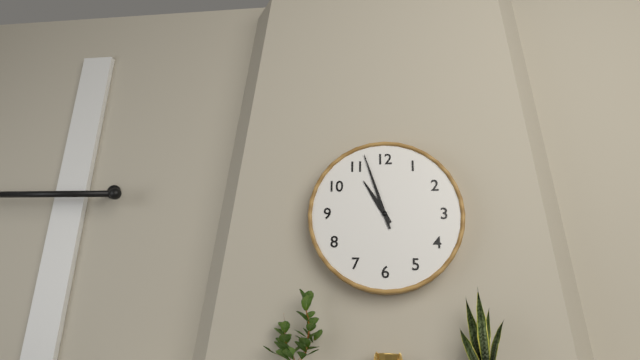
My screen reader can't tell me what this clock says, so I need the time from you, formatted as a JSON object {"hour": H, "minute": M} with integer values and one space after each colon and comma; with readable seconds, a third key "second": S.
{"hour": 10, "minute": 57}
